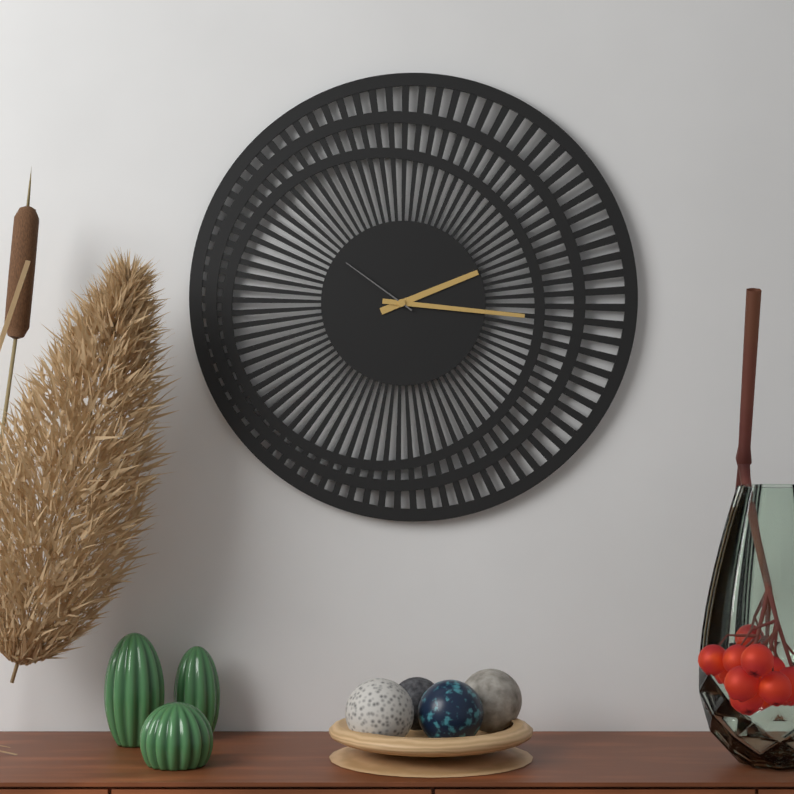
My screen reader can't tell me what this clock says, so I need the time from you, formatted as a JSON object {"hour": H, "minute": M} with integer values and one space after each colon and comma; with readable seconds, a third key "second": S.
{"hour": 2, "minute": 16, "second": 51}
